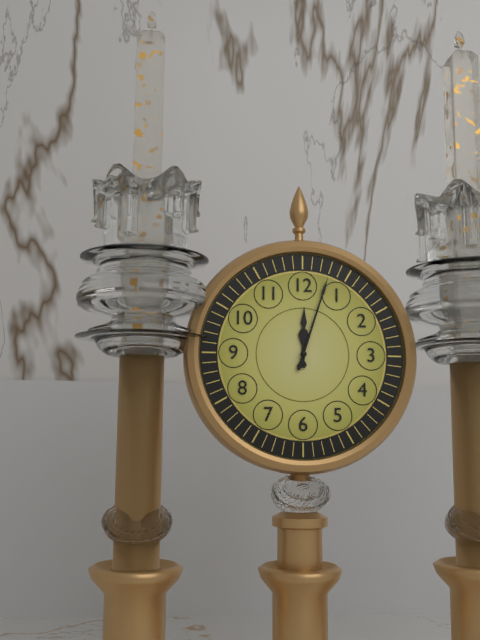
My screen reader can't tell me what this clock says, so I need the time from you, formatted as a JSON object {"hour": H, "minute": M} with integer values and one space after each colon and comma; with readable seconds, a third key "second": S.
{"hour": 12, "minute": 3}
